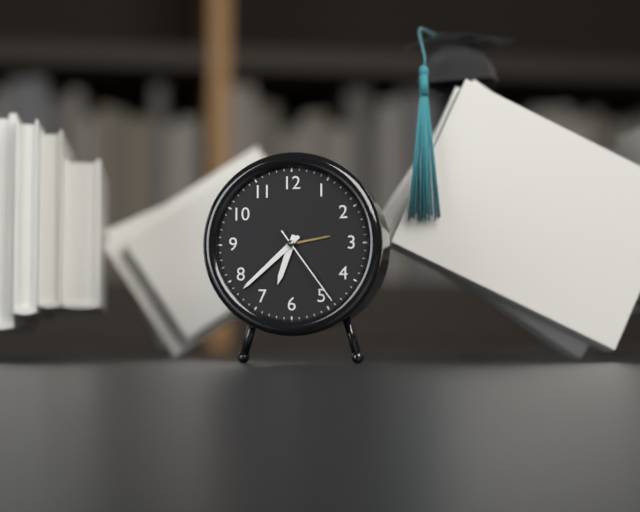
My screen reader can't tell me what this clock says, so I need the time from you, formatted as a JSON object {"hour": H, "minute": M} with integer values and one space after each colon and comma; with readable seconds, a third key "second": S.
{"hour": 6, "minute": 38, "second": 24}
